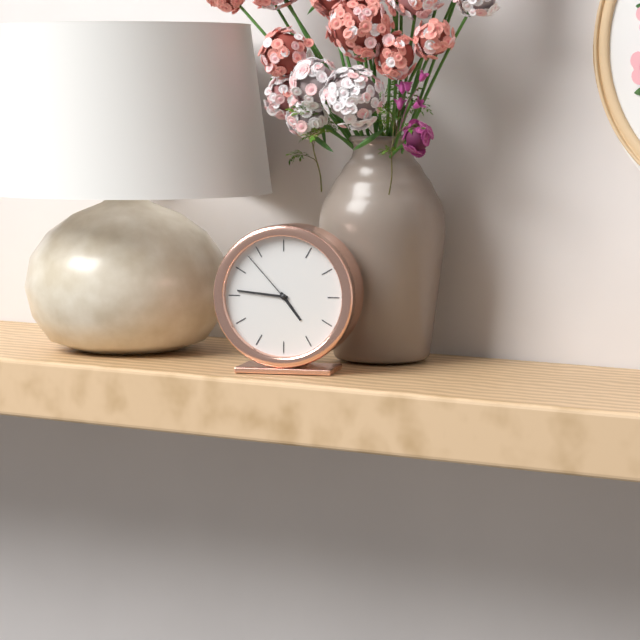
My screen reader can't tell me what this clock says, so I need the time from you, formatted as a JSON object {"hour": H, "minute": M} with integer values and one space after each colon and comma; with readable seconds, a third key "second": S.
{"hour": 4, "minute": 46, "second": 53}
